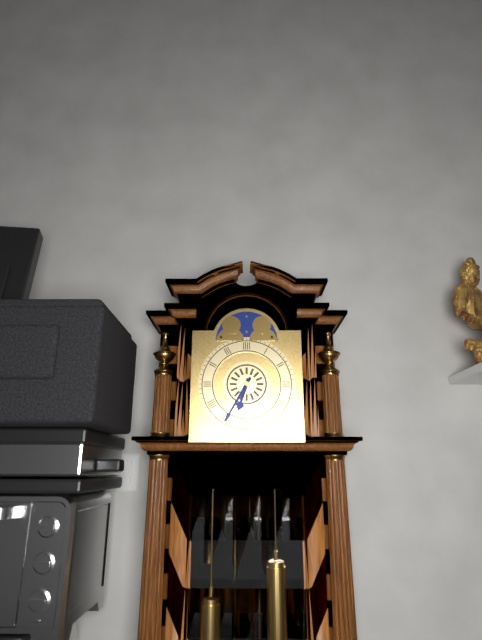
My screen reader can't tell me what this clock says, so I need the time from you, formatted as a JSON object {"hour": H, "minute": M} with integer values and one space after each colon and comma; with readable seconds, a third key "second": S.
{"hour": 6, "minute": 35}
